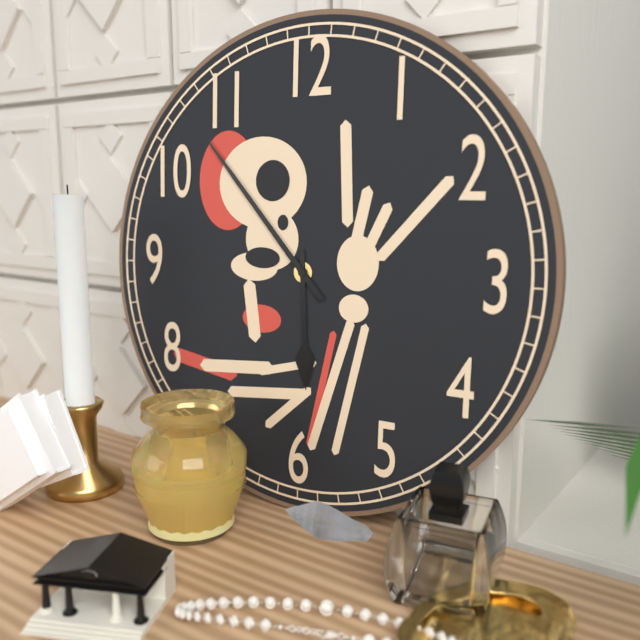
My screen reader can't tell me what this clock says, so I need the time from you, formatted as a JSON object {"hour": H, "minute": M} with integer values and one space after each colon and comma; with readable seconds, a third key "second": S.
{"hour": 5, "minute": 53}
